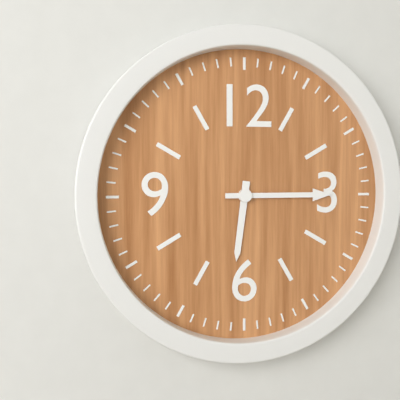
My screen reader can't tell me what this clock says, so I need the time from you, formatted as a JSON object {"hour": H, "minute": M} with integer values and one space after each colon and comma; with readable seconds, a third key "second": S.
{"hour": 6, "minute": 15}
